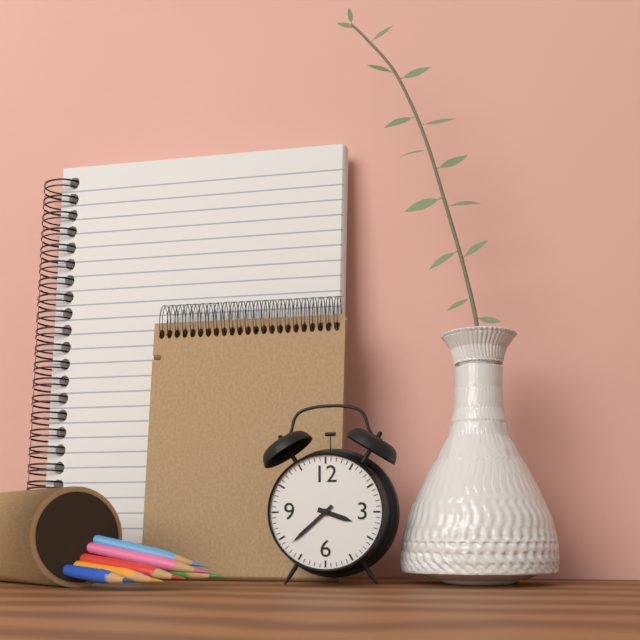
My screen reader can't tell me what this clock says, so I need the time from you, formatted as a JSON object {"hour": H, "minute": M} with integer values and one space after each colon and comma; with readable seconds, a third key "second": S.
{"hour": 3, "minute": 38}
